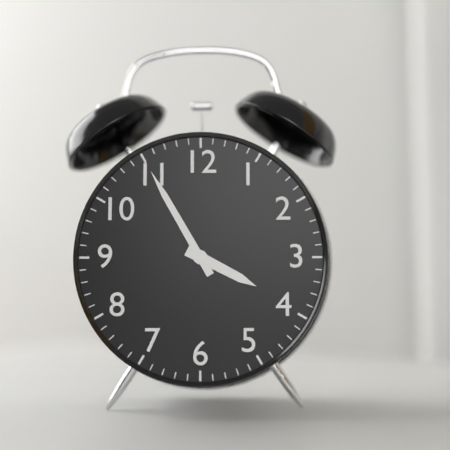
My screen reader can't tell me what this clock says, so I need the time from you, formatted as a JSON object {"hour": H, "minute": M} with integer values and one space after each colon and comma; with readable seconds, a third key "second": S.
{"hour": 3, "minute": 55}
